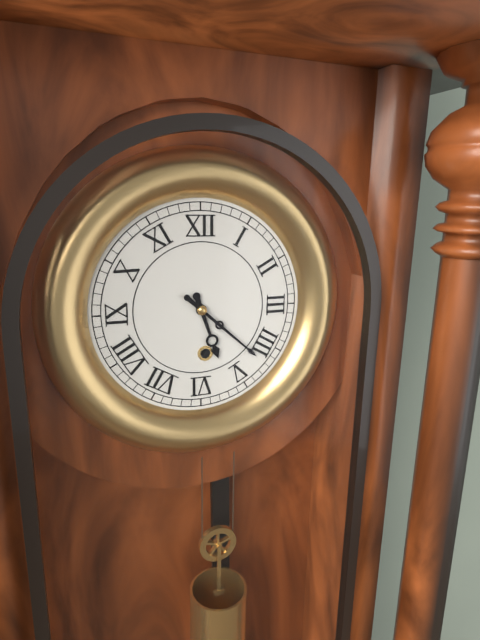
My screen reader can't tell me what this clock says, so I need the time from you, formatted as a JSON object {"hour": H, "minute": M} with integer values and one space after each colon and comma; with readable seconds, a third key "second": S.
{"hour": 5, "minute": 22}
